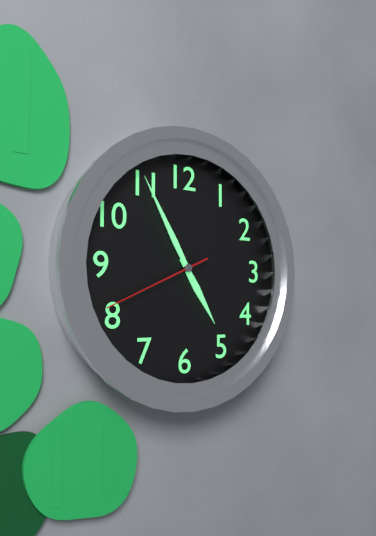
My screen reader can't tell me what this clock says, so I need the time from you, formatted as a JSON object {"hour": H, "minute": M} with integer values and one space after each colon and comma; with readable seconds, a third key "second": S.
{"hour": 4, "minute": 55, "second": 41}
